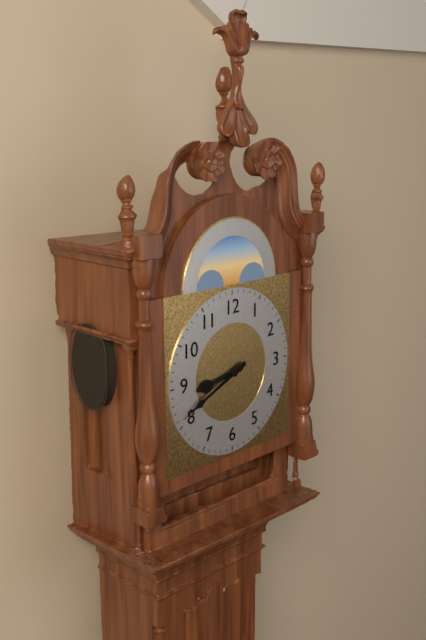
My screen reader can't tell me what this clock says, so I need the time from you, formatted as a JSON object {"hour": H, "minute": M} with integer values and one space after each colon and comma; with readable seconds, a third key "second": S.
{"hour": 8, "minute": 41}
